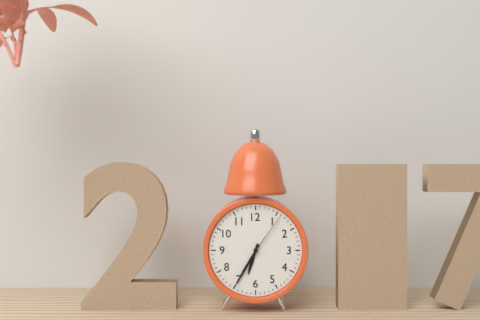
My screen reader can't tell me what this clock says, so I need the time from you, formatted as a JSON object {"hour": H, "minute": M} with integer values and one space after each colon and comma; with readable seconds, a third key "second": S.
{"hour": 6, "minute": 35, "second": 6}
